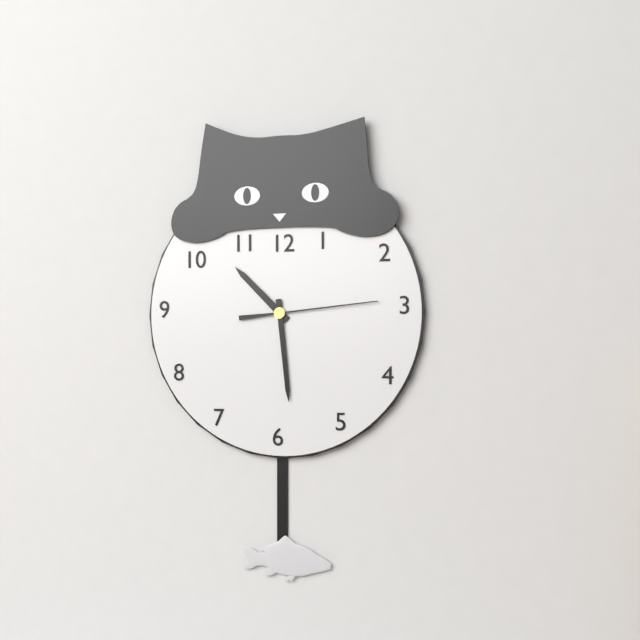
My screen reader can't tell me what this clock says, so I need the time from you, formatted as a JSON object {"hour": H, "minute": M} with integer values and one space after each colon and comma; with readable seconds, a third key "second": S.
{"hour": 10, "minute": 29, "second": 14}
